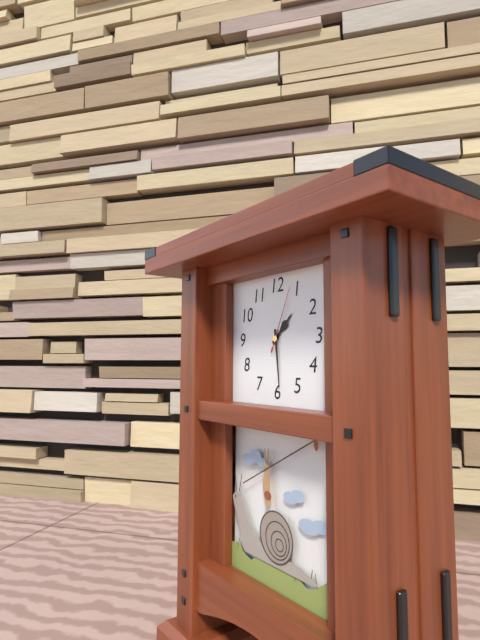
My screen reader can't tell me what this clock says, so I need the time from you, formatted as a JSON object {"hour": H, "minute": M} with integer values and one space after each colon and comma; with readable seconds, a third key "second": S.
{"hour": 1, "minute": 29, "second": 4}
